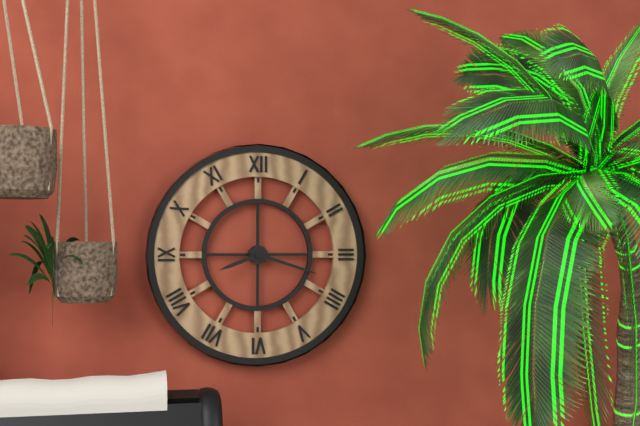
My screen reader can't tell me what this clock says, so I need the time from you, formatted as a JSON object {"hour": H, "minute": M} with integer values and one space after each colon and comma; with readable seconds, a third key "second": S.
{"hour": 8, "minute": 18}
